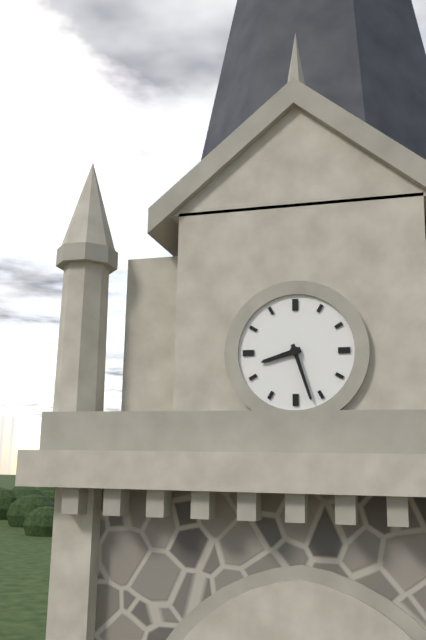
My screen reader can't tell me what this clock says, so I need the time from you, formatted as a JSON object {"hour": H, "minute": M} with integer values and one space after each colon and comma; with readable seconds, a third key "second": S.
{"hour": 8, "minute": 27}
